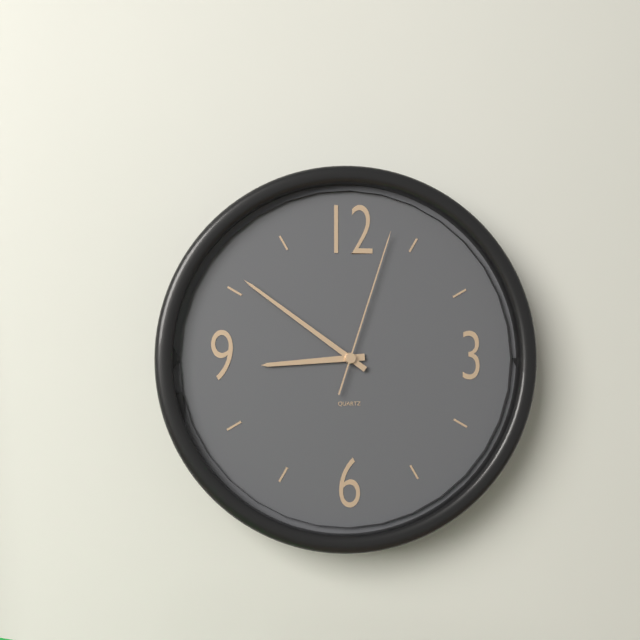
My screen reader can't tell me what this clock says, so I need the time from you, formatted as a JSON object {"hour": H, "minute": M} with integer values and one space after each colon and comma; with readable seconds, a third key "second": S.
{"hour": 8, "minute": 51, "second": 3}
